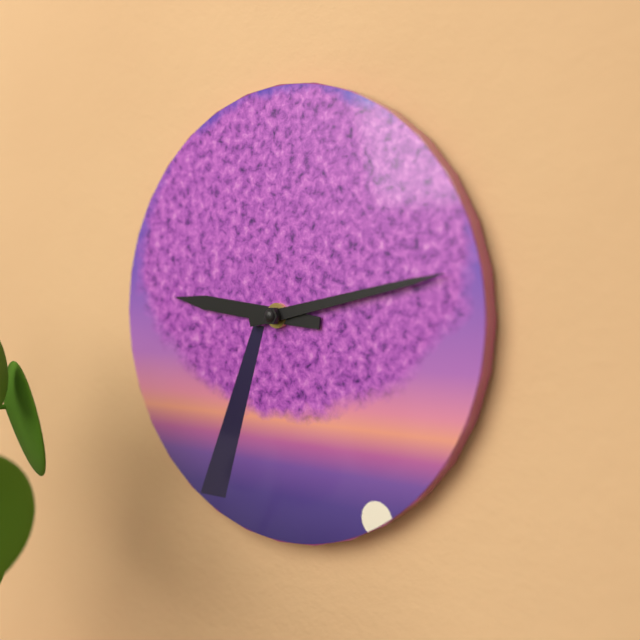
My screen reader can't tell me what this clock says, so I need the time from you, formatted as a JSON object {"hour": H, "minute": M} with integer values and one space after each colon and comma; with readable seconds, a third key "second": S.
{"hour": 9, "minute": 13}
